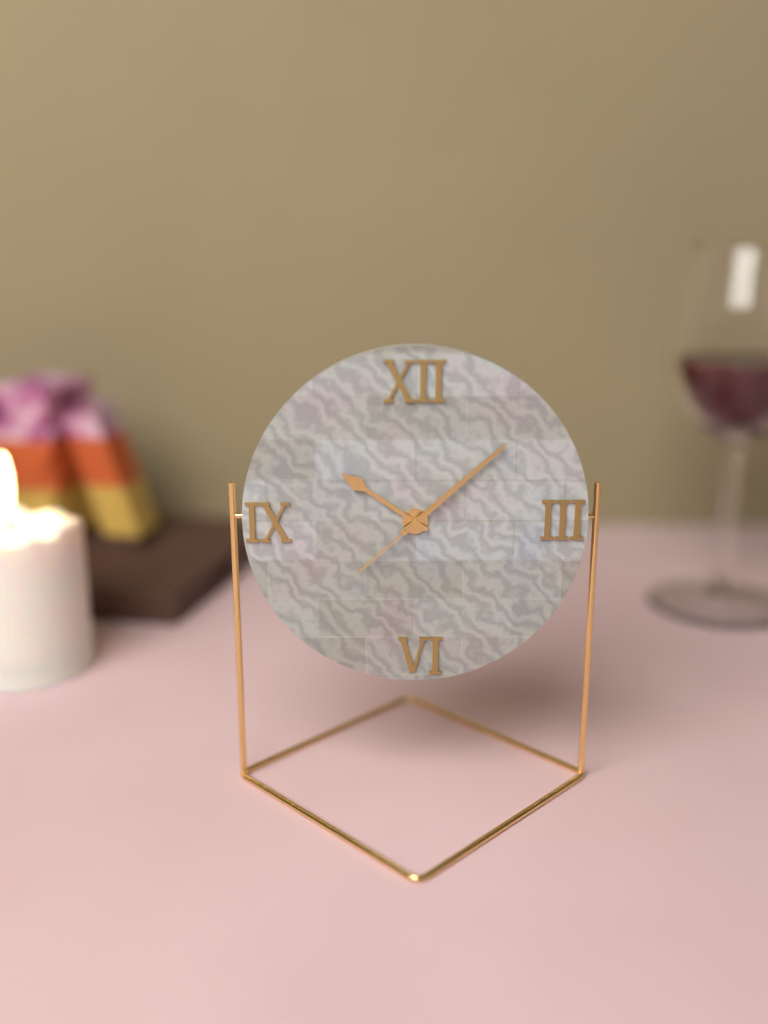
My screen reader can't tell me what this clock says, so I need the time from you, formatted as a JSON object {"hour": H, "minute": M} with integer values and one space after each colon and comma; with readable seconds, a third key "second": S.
{"hour": 10, "minute": 8, "second": 38}
